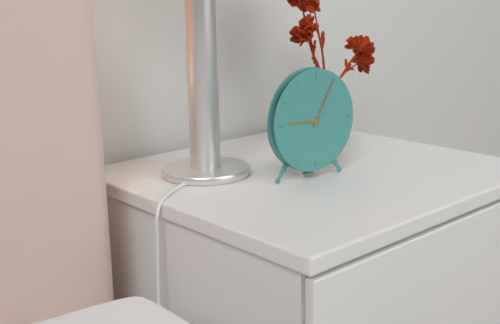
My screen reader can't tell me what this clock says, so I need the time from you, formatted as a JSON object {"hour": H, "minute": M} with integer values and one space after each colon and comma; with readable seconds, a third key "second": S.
{"hour": 9, "minute": 5}
